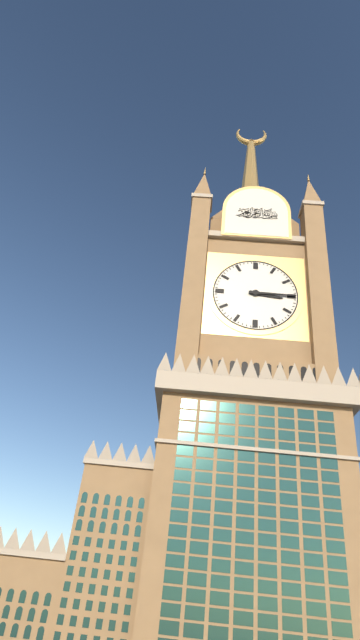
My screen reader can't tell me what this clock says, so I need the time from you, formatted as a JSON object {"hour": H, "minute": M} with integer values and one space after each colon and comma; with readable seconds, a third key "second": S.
{"hour": 3, "minute": 15}
